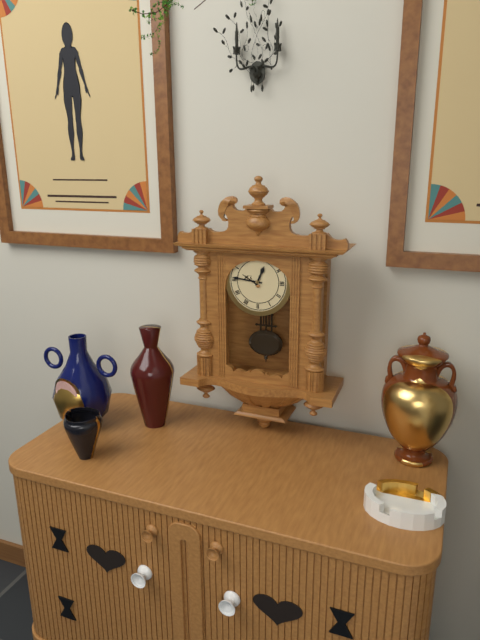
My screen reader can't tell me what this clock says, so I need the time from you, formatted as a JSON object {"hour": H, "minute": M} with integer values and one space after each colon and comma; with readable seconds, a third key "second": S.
{"hour": 12, "minute": 46}
